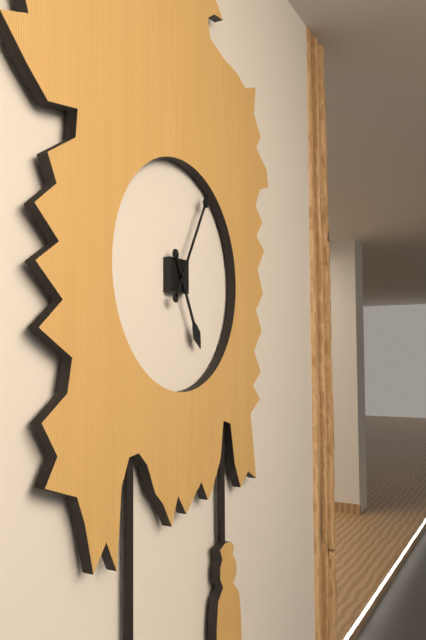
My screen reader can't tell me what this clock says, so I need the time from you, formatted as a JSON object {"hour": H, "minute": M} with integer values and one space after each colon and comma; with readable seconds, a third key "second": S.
{"hour": 5, "minute": 5}
